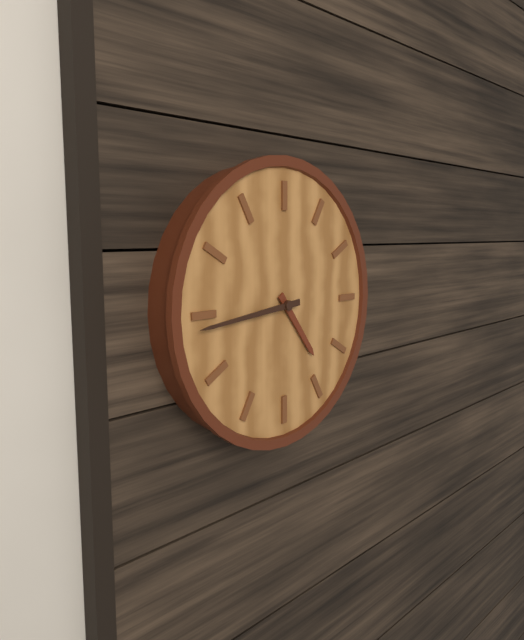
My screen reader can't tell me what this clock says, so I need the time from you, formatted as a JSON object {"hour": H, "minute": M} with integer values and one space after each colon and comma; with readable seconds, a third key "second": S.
{"hour": 4, "minute": 44}
